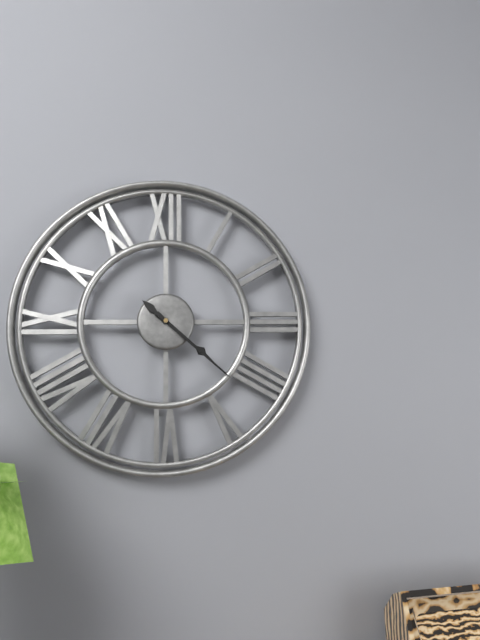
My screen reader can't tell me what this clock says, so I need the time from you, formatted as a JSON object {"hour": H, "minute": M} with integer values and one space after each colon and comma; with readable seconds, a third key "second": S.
{"hour": 4, "minute": 22}
